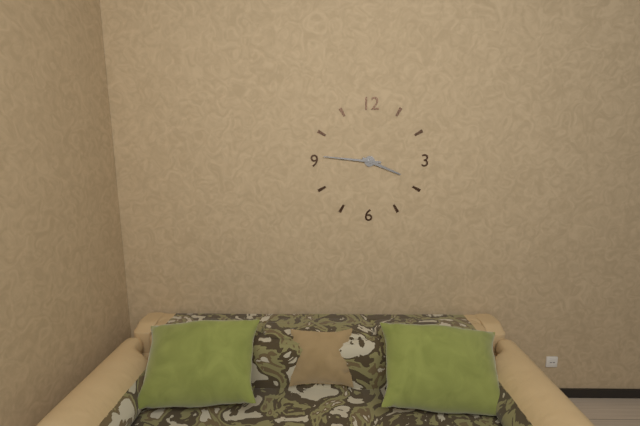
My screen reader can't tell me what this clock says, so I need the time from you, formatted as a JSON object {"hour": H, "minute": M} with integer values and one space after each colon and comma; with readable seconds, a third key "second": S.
{"hour": 3, "minute": 46}
